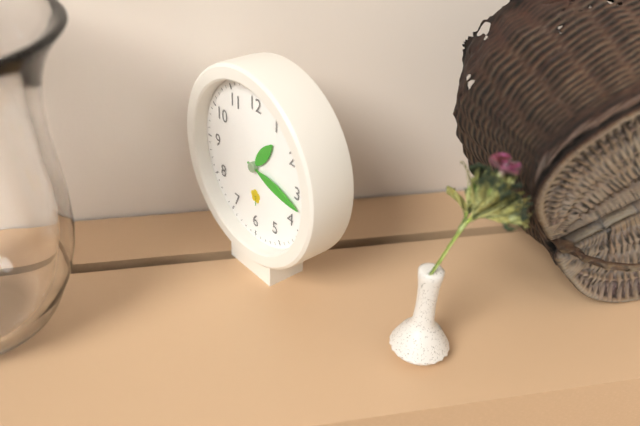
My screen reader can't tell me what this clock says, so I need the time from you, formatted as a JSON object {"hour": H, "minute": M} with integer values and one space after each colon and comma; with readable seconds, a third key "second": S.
{"hour": 1, "minute": 17}
